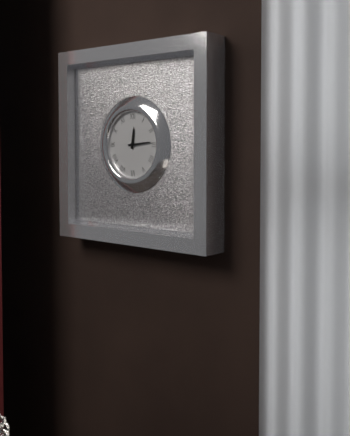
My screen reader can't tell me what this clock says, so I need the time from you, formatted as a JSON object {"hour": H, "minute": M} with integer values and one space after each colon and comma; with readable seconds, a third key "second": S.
{"hour": 12, "minute": 14}
